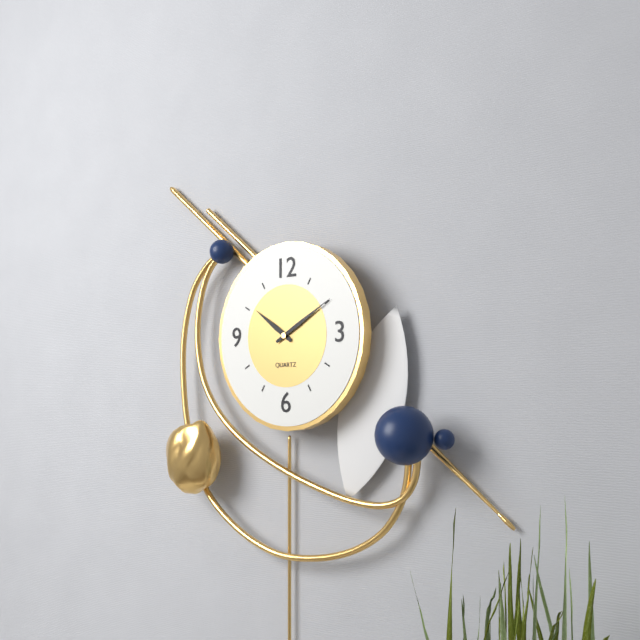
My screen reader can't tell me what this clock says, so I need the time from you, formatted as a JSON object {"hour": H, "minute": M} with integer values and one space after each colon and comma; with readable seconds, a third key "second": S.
{"hour": 10, "minute": 10}
